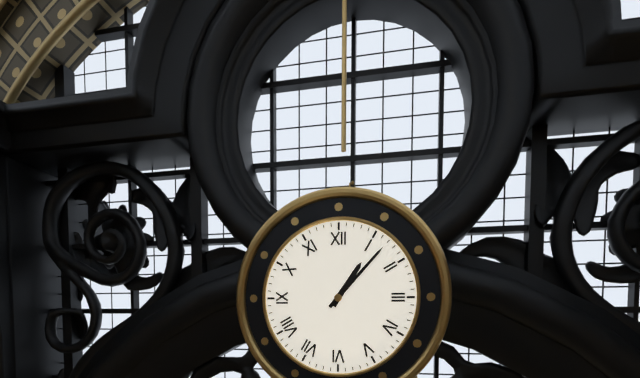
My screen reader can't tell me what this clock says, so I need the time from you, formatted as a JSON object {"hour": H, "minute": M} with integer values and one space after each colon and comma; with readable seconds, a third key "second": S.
{"hour": 1, "minute": 7}
